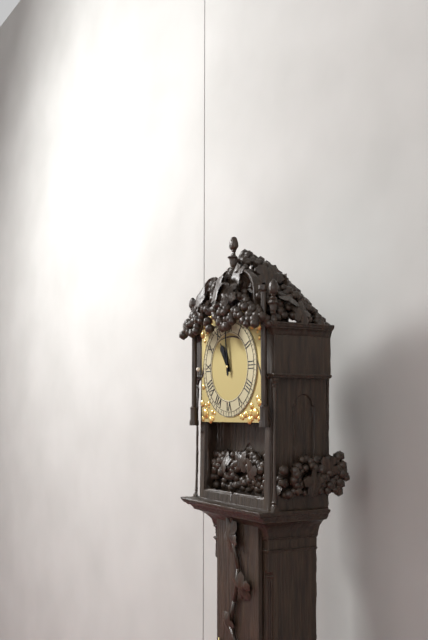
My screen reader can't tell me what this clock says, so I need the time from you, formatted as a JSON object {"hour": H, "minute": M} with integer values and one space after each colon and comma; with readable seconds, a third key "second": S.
{"hour": 10, "minute": 59}
